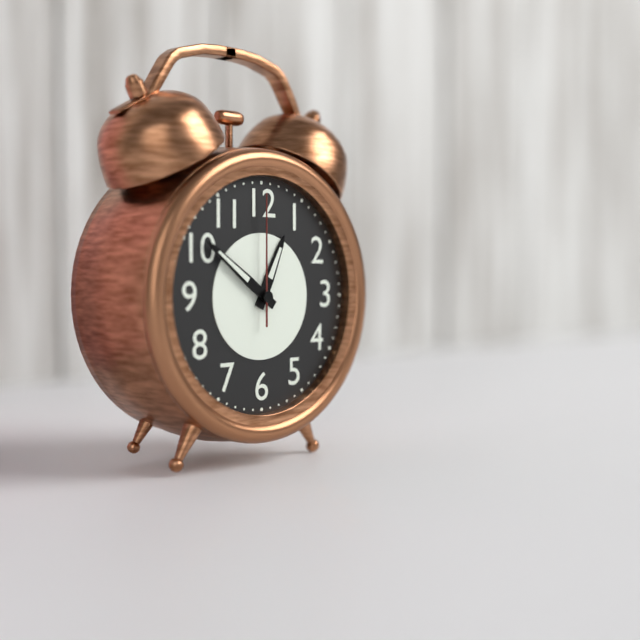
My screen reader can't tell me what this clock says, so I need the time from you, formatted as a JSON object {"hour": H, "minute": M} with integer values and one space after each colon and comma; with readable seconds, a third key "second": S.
{"hour": 12, "minute": 51, "second": 0}
